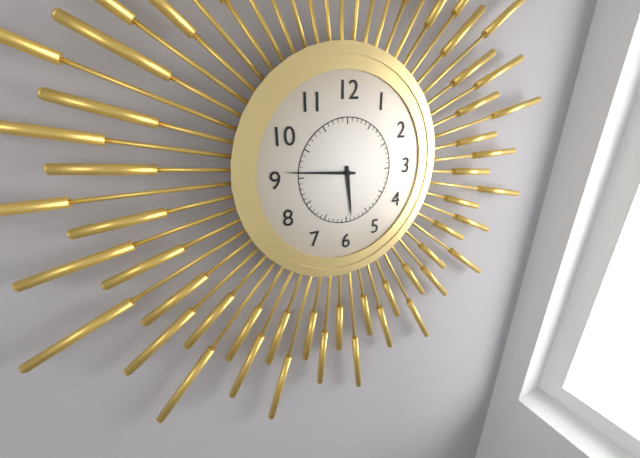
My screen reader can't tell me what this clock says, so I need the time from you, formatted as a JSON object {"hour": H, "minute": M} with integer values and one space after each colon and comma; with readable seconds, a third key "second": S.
{"hour": 5, "minute": 46}
